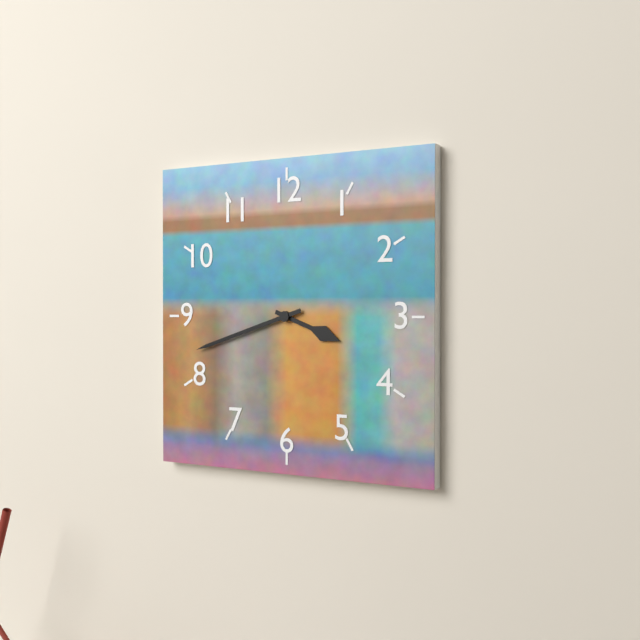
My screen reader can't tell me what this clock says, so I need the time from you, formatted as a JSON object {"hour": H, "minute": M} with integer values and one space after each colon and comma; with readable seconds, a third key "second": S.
{"hour": 3, "minute": 42}
